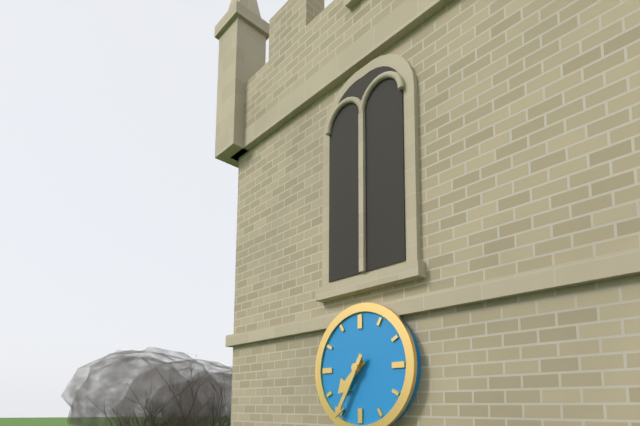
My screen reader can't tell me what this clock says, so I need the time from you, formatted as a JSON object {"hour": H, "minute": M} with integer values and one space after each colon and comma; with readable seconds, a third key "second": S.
{"hour": 7, "minute": 35}
